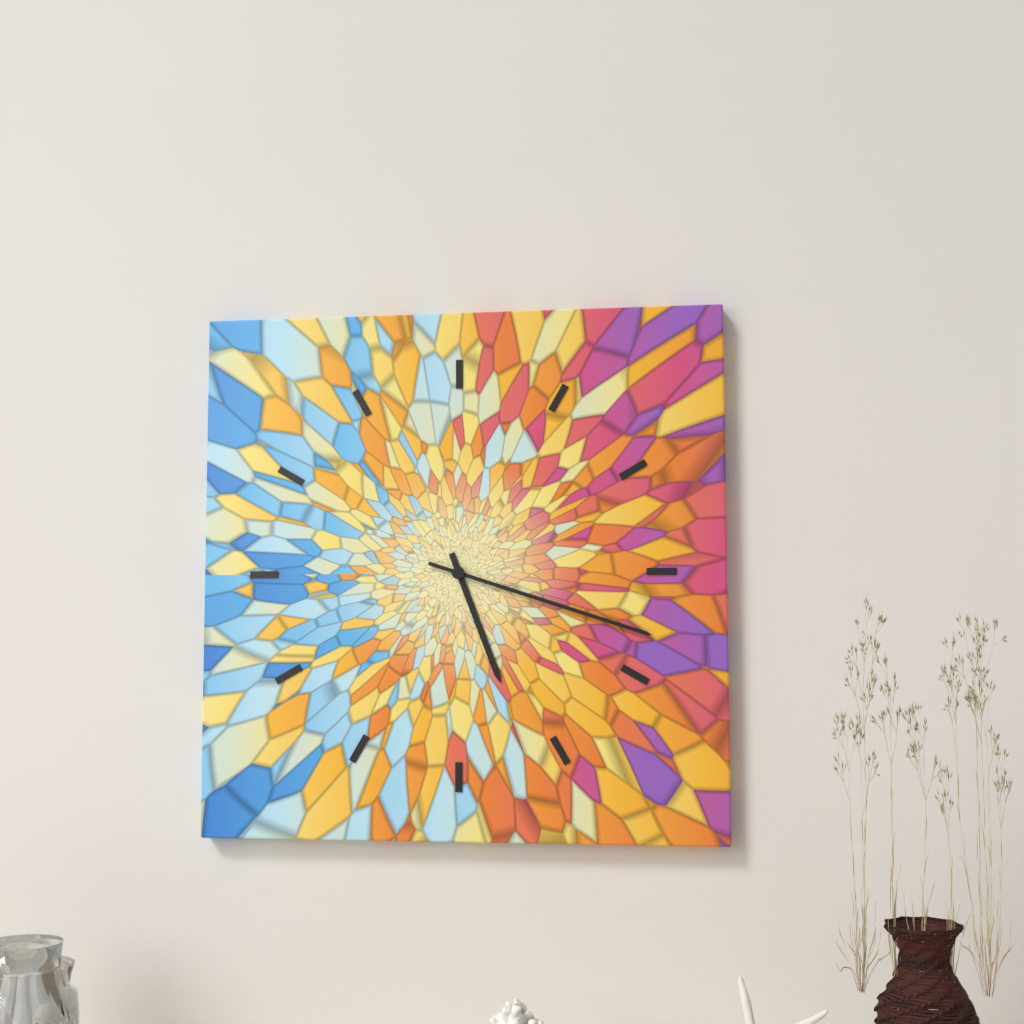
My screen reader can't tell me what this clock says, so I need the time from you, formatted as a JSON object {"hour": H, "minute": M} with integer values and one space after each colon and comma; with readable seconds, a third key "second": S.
{"hour": 5, "minute": 18}
